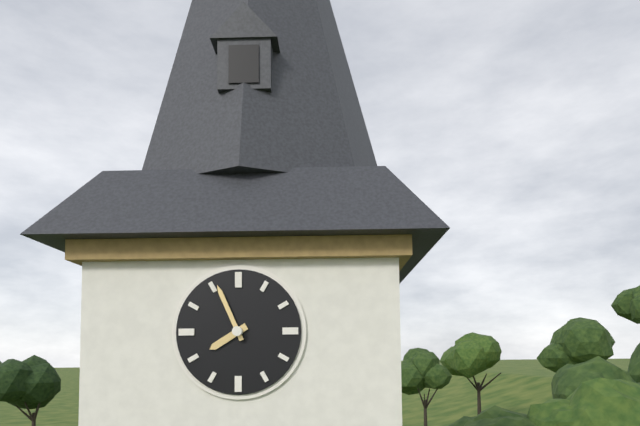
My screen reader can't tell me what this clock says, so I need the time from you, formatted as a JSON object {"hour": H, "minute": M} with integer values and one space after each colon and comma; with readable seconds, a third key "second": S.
{"hour": 7, "minute": 56}
